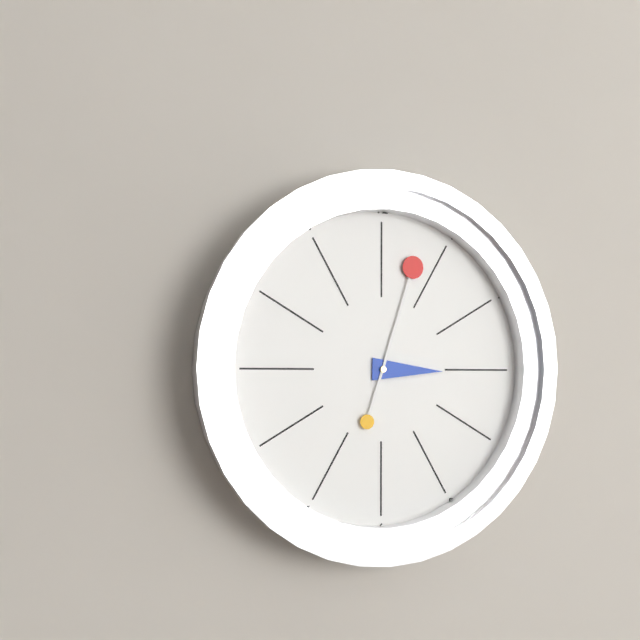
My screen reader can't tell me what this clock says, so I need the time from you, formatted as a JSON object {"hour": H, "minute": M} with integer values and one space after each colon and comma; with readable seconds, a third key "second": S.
{"hour": 3, "minute": 3}
